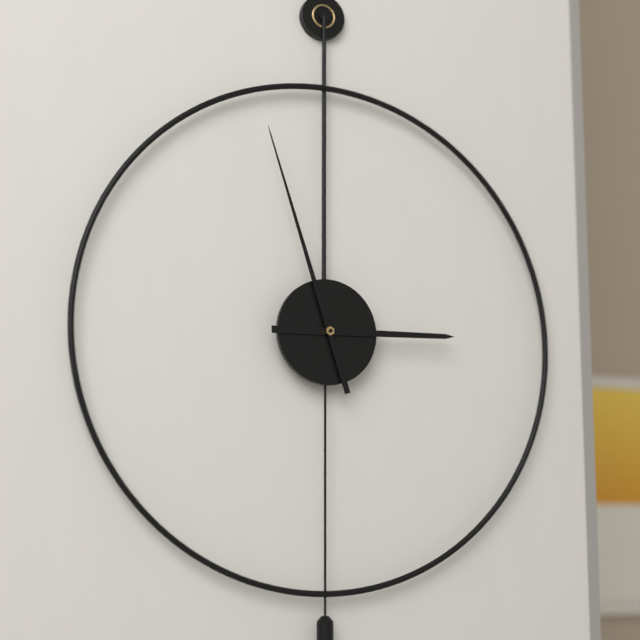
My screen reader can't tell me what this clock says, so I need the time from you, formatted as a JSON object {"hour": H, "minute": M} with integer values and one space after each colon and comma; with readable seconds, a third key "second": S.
{"hour": 2, "minute": 57}
